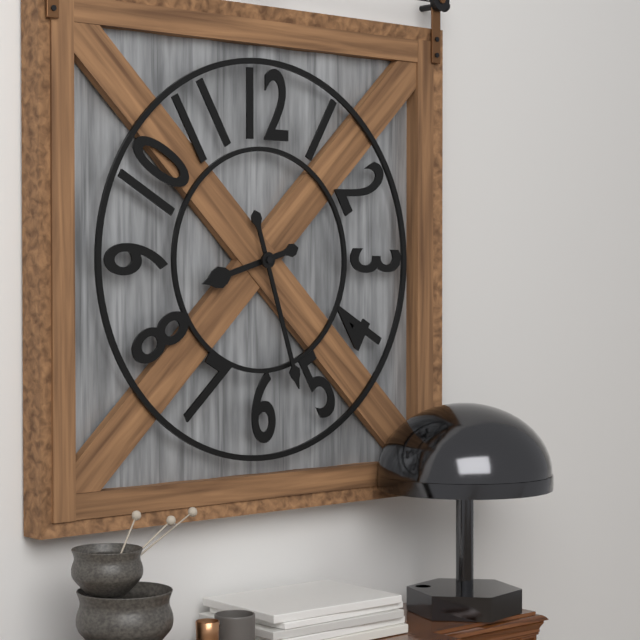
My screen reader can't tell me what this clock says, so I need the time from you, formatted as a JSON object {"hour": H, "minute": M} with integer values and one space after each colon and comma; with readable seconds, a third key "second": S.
{"hour": 8, "minute": 27}
